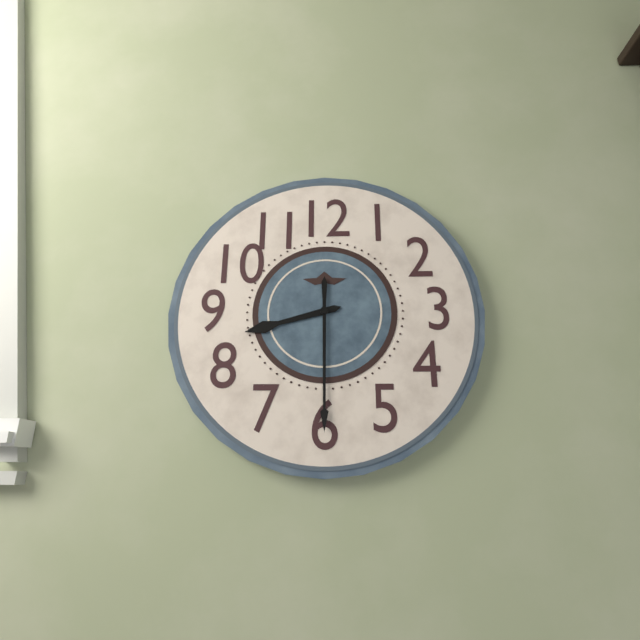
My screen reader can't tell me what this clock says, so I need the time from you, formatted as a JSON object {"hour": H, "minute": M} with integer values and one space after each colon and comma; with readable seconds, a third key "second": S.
{"hour": 8, "minute": 30}
